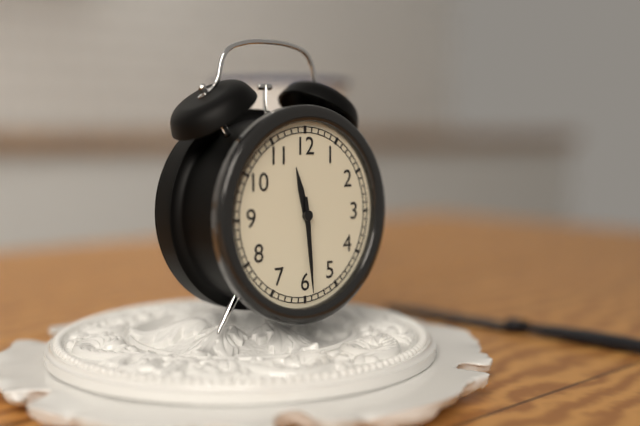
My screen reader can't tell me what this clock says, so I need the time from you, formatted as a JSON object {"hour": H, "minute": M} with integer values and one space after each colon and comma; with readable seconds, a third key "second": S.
{"hour": 11, "minute": 29}
